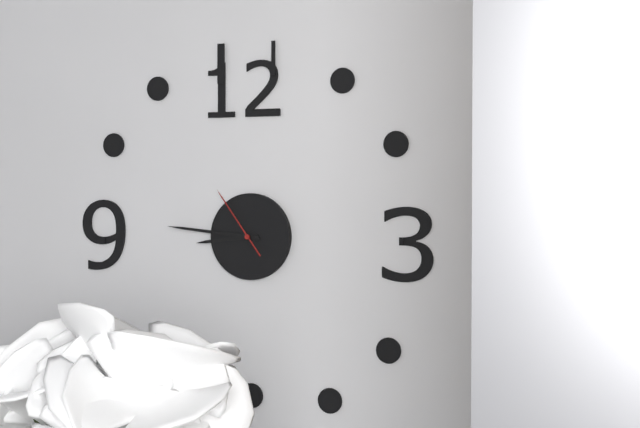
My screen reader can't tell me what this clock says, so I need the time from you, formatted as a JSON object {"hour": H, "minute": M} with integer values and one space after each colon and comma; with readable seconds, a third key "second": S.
{"hour": 8, "minute": 46, "second": 54}
